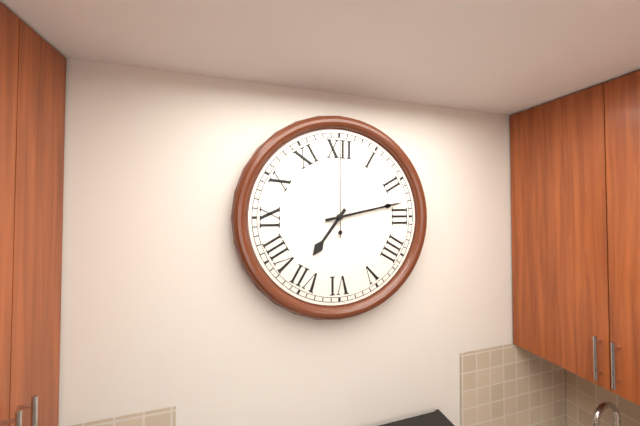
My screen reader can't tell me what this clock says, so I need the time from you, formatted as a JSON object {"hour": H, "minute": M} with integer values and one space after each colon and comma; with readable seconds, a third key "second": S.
{"hour": 7, "minute": 13, "second": 0}
